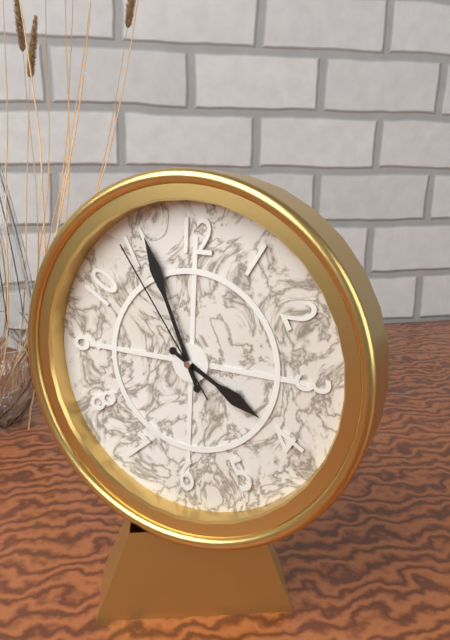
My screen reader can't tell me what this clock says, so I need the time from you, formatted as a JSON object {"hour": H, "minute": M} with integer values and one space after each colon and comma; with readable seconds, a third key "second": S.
{"hour": 3, "minute": 56, "second": 54}
